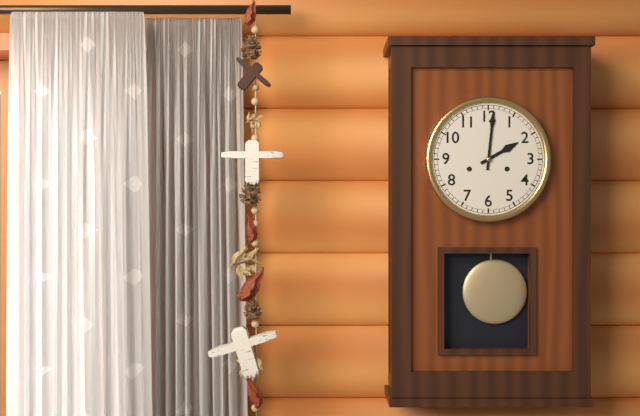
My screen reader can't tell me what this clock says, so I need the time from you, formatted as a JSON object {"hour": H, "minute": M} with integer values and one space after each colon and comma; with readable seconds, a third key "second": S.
{"hour": 2, "minute": 1}
